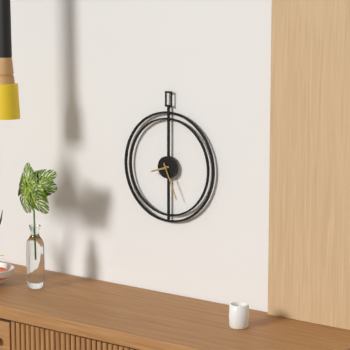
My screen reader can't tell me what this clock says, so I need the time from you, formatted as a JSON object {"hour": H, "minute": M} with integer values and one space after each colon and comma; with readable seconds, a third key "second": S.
{"hour": 8, "minute": 26}
